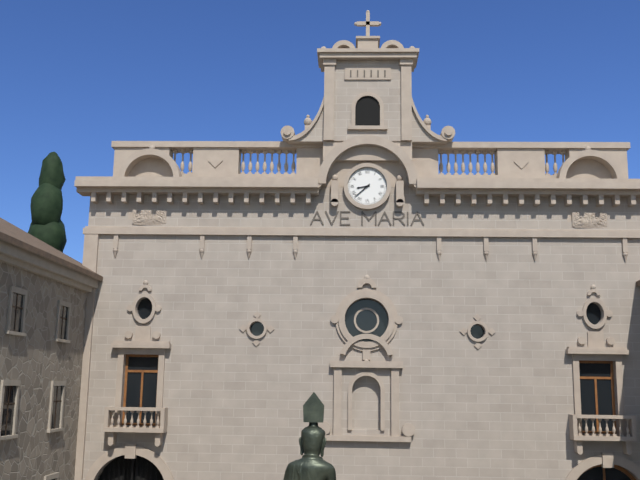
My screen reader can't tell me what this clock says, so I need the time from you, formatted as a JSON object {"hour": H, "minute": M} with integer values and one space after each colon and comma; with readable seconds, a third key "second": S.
{"hour": 8, "minute": 38}
